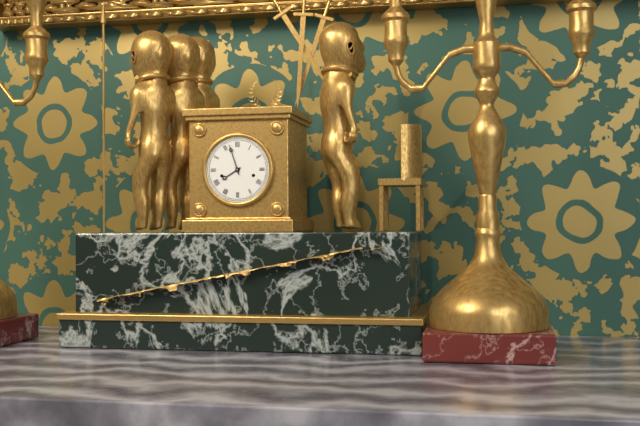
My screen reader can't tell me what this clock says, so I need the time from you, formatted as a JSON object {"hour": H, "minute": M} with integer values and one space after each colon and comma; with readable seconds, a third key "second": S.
{"hour": 7, "minute": 57}
